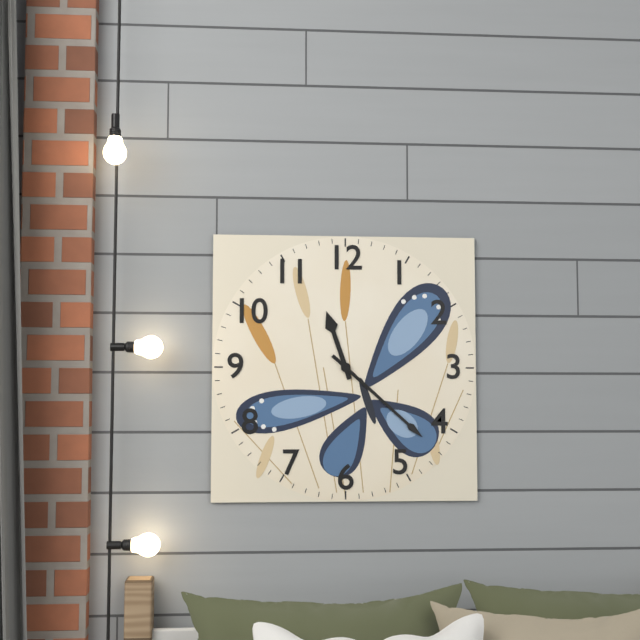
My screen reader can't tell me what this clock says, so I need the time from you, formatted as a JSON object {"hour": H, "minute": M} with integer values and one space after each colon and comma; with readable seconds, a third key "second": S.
{"hour": 11, "minute": 22}
